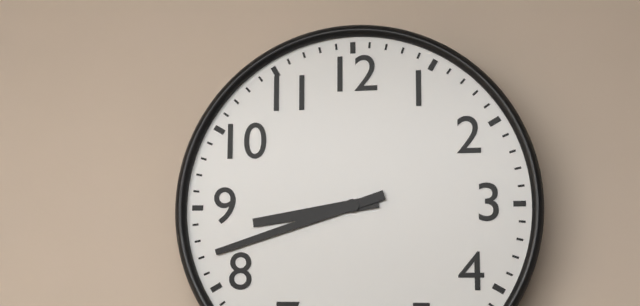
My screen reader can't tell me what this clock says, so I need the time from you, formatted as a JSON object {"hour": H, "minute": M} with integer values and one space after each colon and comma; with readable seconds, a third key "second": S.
{"hour": 8, "minute": 42}
